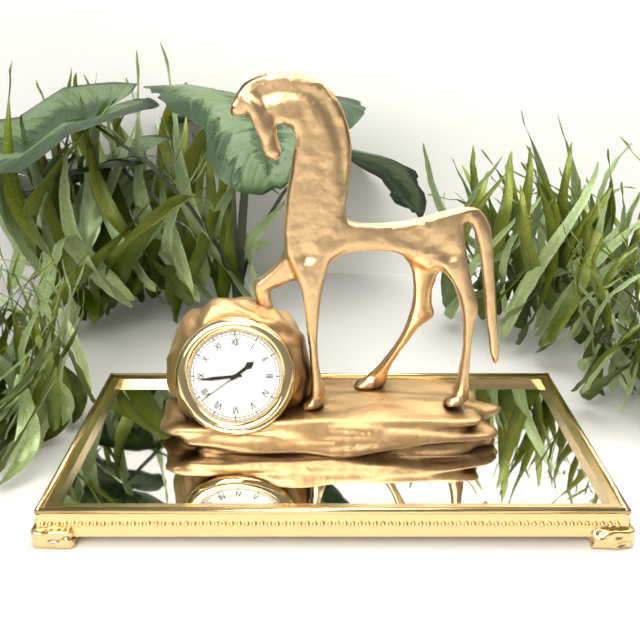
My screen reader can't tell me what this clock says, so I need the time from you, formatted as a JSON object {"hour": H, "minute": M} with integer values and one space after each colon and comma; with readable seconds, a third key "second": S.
{"hour": 1, "minute": 44, "second": 39}
